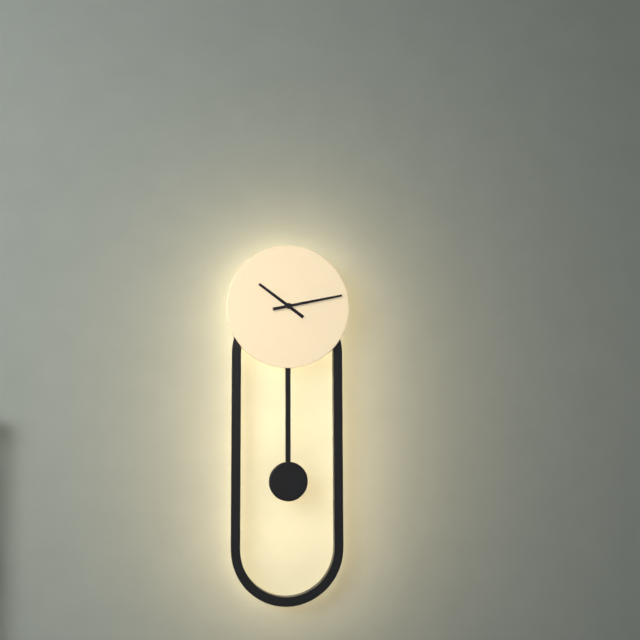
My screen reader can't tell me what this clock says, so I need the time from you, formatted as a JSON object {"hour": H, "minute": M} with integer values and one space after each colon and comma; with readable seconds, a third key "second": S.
{"hour": 10, "minute": 13}
